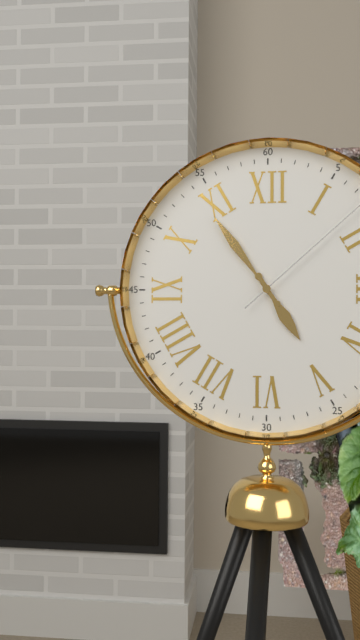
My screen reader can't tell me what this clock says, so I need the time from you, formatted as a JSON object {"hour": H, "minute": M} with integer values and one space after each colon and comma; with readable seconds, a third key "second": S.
{"hour": 4, "minute": 54}
